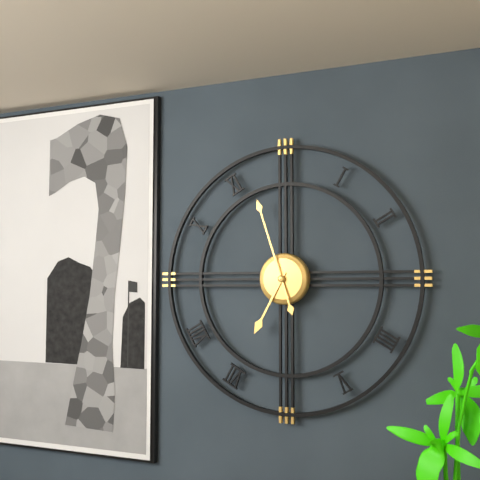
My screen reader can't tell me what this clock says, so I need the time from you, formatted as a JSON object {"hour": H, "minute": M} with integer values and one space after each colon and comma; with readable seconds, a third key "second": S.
{"hour": 6, "minute": 57}
